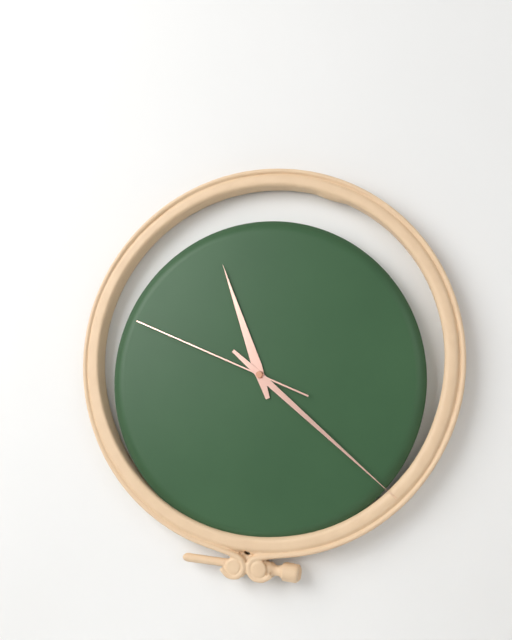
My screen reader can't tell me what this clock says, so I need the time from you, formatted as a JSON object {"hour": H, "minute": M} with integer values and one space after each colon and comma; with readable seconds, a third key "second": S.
{"hour": 11, "minute": 22, "second": 49}
